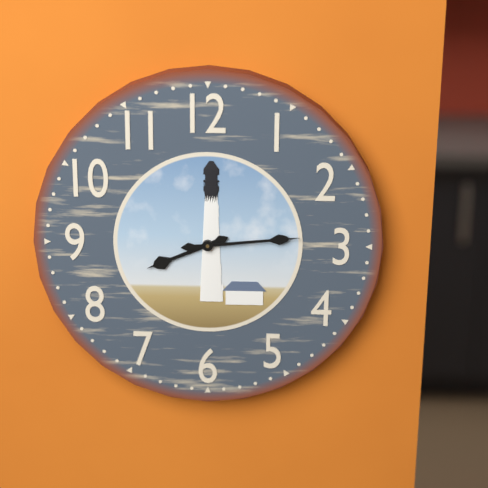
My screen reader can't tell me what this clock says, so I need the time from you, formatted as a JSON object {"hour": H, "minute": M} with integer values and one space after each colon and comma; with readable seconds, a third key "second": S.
{"hour": 8, "minute": 14}
